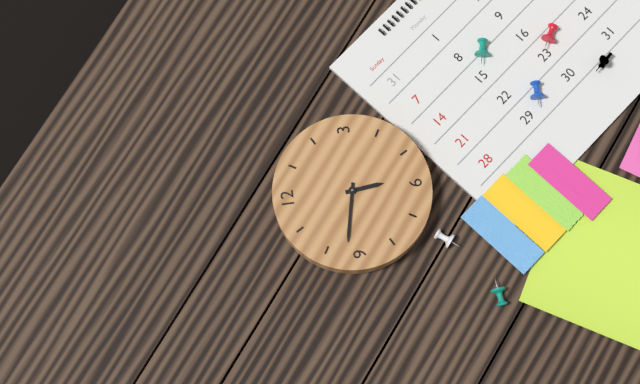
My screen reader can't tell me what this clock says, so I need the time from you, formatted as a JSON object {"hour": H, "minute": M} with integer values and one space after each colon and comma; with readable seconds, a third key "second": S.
{"hour": 5, "minute": 47}
